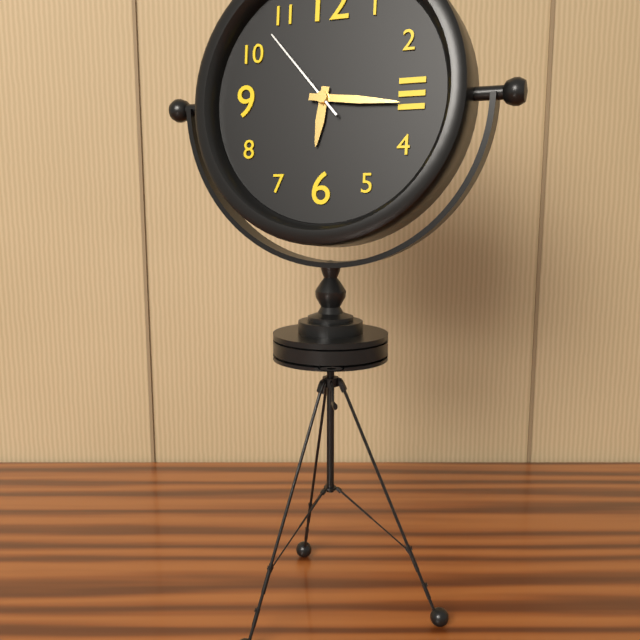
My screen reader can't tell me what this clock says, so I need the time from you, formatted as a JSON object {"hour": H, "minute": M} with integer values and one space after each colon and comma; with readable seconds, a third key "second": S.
{"hour": 6, "minute": 16, "second": 53}
